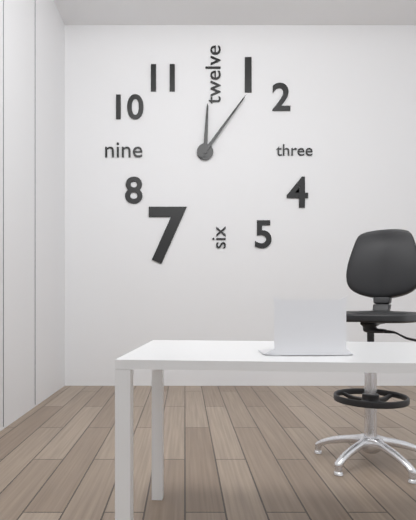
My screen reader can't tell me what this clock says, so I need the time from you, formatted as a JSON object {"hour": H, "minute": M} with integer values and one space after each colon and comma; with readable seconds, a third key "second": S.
{"hour": 12, "minute": 6}
